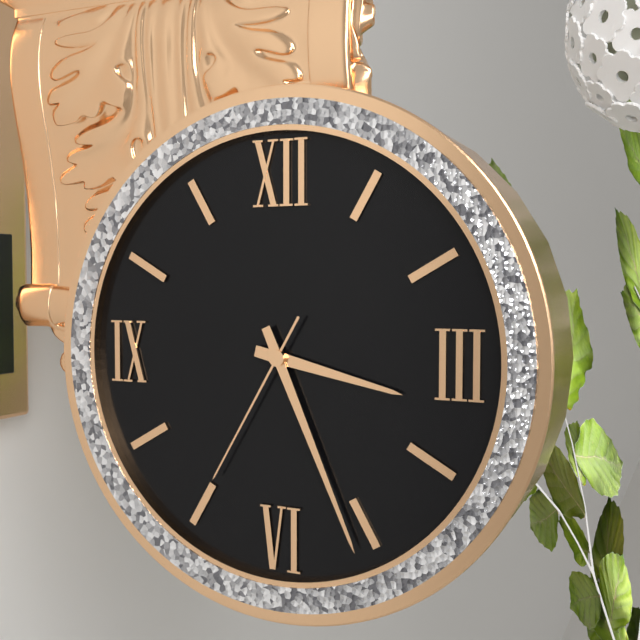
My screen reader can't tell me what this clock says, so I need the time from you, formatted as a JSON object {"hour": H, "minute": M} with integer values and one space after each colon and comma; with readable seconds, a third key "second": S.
{"hour": 3, "minute": 26, "second": 35}
